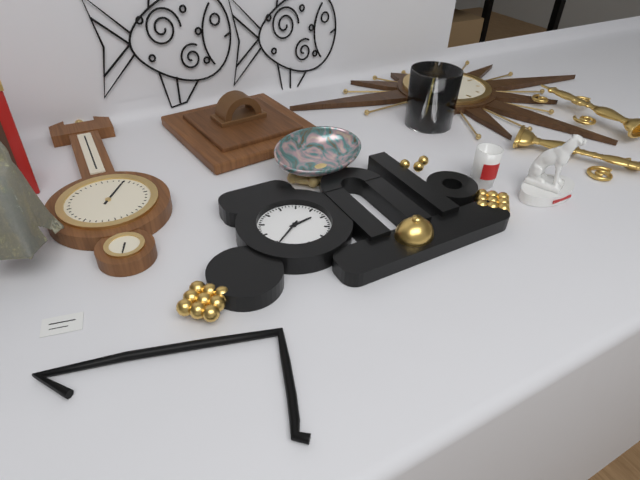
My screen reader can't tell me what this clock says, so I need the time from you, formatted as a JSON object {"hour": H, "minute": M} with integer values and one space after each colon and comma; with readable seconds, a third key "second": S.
{"hour": 2, "minute": 39}
